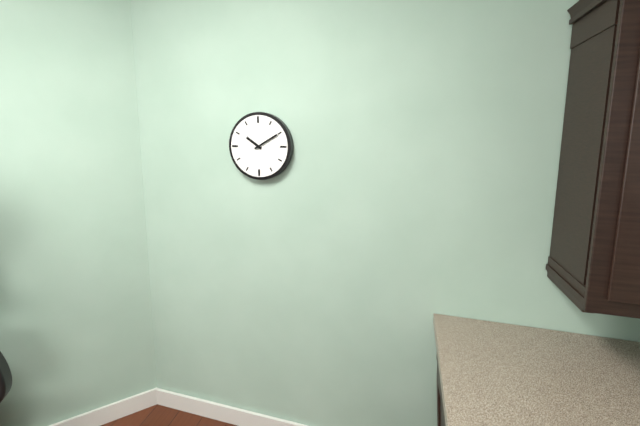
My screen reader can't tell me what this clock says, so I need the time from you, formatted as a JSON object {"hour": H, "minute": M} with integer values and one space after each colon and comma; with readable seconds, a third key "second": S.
{"hour": 10, "minute": 10}
